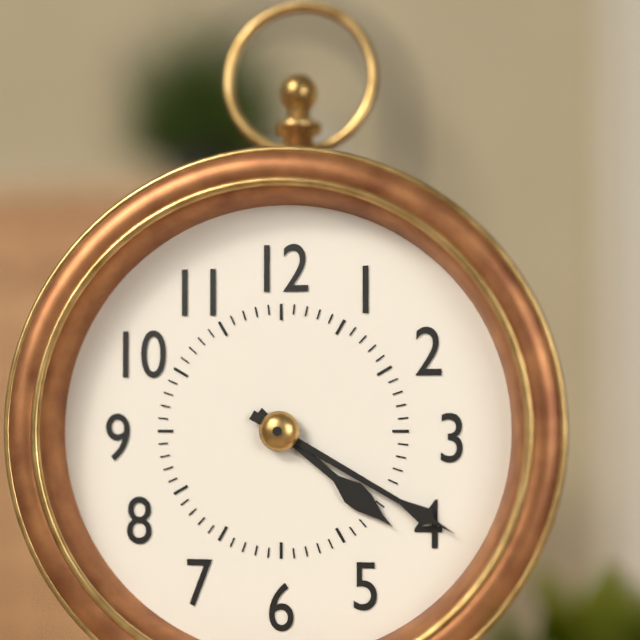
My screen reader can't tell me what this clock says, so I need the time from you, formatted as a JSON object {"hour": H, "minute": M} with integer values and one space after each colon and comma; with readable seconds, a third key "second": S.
{"hour": 4, "minute": 20}
